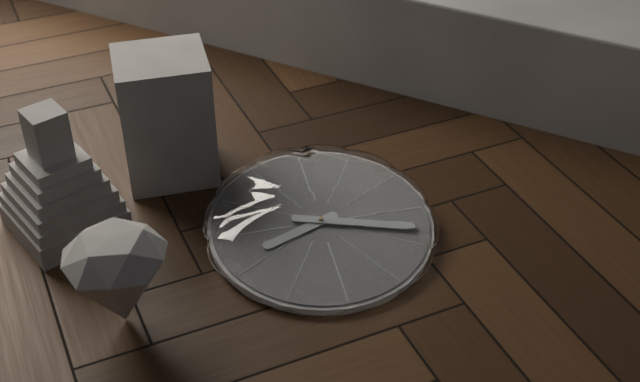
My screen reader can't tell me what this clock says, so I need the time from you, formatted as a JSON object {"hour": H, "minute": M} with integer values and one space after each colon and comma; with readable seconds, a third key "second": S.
{"hour": 8, "minute": 18}
